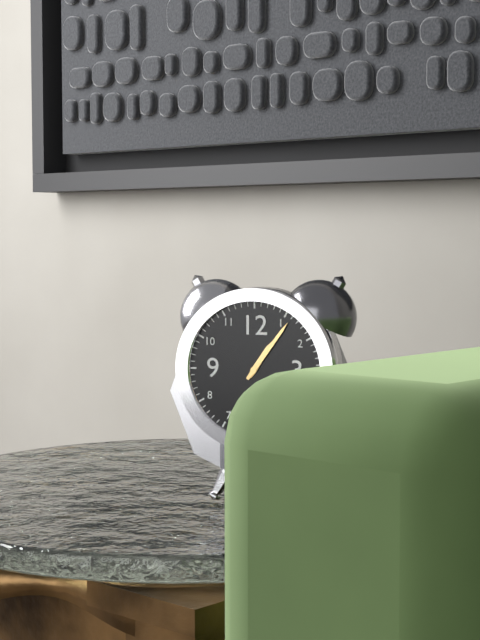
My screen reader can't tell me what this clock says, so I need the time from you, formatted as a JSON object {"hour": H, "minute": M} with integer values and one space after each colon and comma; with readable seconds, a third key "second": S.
{"hour": 1, "minute": 6}
